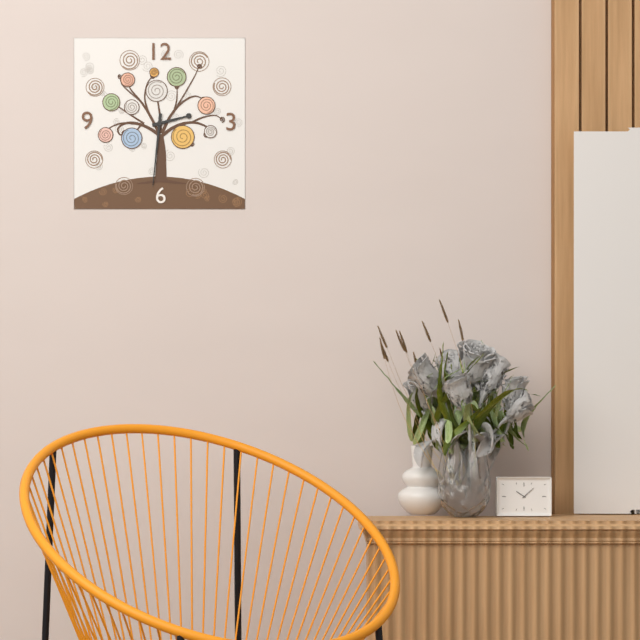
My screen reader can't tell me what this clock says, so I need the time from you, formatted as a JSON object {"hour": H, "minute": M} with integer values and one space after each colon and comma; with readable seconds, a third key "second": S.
{"hour": 2, "minute": 31}
